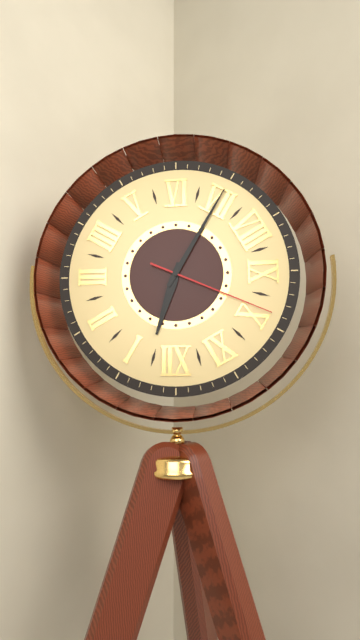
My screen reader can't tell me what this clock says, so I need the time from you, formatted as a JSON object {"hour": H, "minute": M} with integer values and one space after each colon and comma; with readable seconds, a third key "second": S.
{"hour": 12, "minute": 35, "second": 49}
